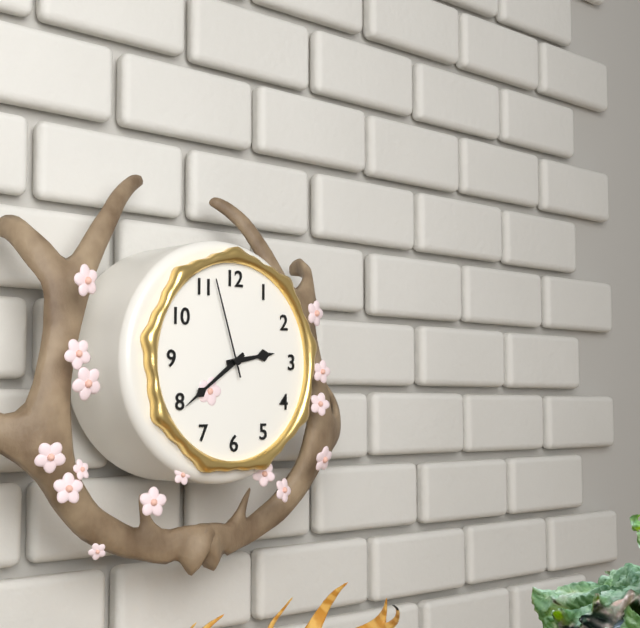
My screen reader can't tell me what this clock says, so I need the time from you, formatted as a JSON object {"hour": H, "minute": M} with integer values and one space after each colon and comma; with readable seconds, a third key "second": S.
{"hour": 2, "minute": 39, "second": 57}
